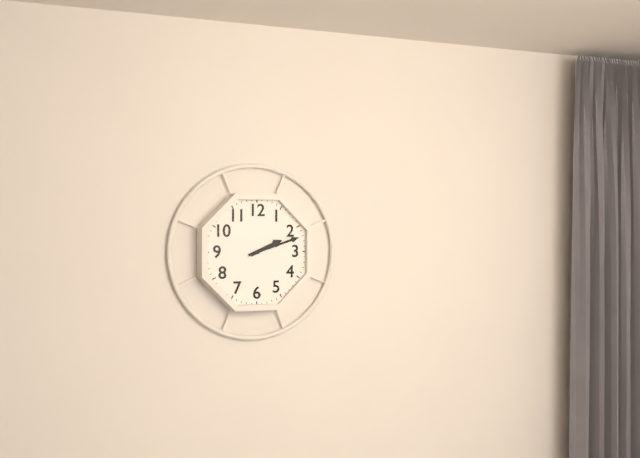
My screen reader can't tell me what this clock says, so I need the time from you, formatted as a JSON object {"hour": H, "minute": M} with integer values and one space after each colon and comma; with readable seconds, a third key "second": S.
{"hour": 2, "minute": 12}
